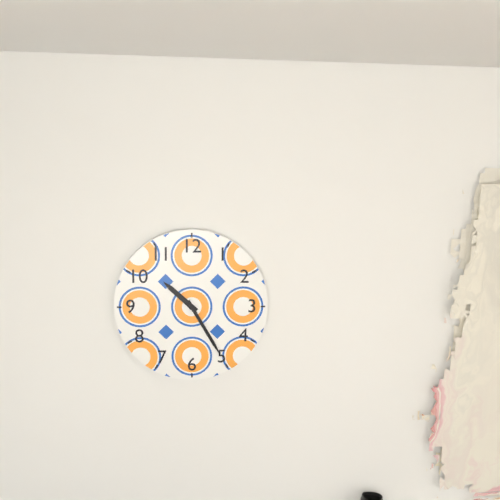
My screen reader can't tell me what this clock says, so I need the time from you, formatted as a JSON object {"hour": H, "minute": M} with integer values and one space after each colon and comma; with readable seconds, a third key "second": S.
{"hour": 10, "minute": 25}
